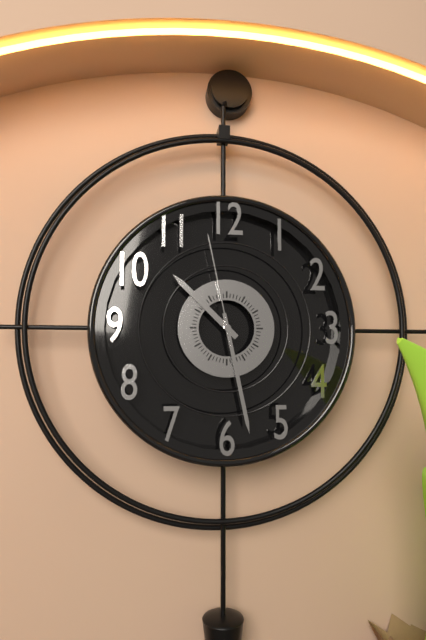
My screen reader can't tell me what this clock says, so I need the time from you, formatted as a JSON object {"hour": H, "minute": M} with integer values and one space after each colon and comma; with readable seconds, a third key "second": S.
{"hour": 10, "minute": 28, "second": 58}
